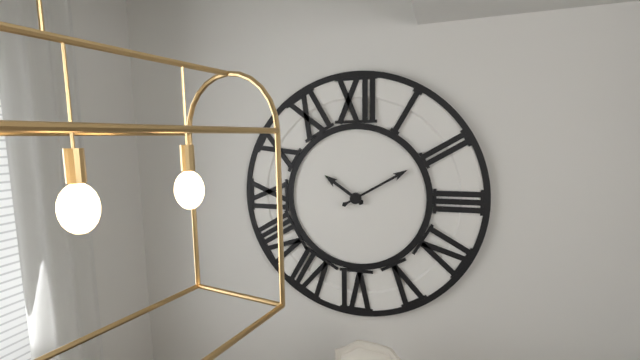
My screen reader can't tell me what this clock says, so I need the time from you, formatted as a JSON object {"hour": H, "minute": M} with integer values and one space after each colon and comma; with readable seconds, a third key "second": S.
{"hour": 10, "minute": 10}
